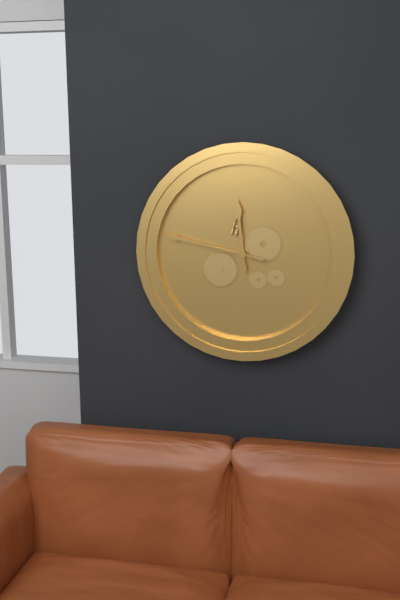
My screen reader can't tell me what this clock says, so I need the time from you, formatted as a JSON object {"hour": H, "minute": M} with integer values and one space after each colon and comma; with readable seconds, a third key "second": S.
{"hour": 11, "minute": 47}
